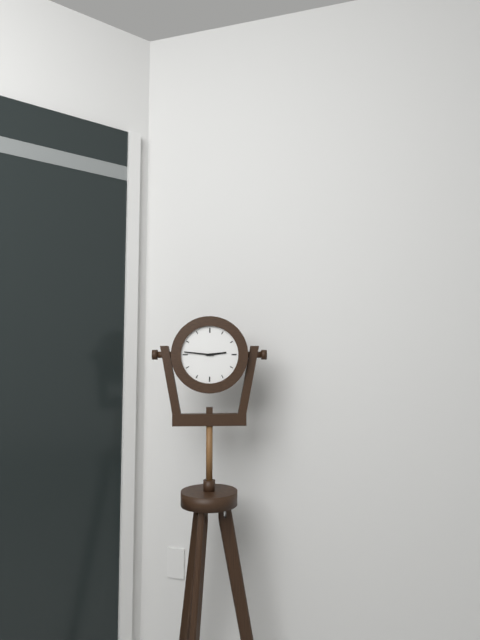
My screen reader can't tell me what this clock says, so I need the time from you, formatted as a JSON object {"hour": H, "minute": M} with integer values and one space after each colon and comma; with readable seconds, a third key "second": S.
{"hour": 2, "minute": 46}
